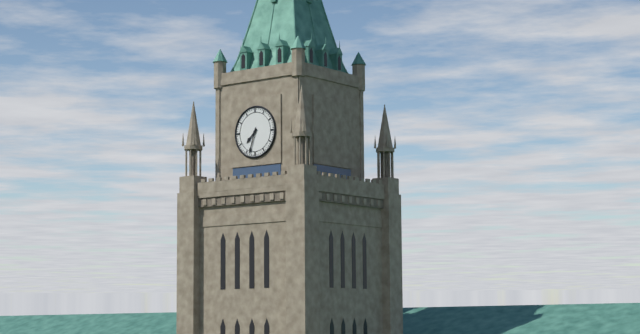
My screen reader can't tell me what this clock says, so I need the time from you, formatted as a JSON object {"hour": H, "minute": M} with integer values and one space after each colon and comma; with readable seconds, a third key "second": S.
{"hour": 7, "minute": 33}
